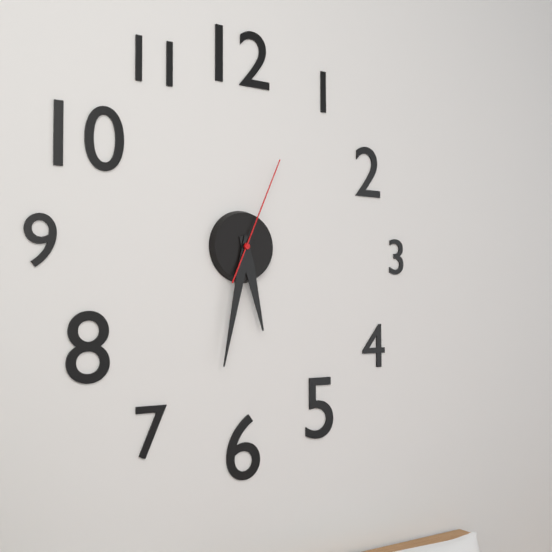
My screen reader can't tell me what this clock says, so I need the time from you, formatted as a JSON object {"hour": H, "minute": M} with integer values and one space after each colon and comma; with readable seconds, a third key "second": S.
{"hour": 5, "minute": 32, "second": 4}
